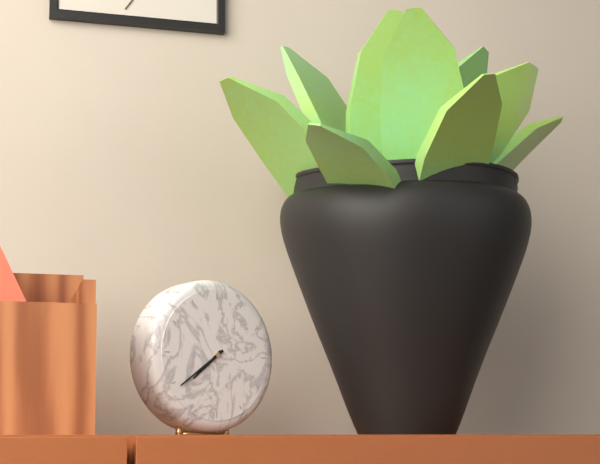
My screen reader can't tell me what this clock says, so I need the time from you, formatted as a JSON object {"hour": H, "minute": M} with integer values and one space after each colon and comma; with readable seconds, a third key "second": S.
{"hour": 7, "minute": 39}
